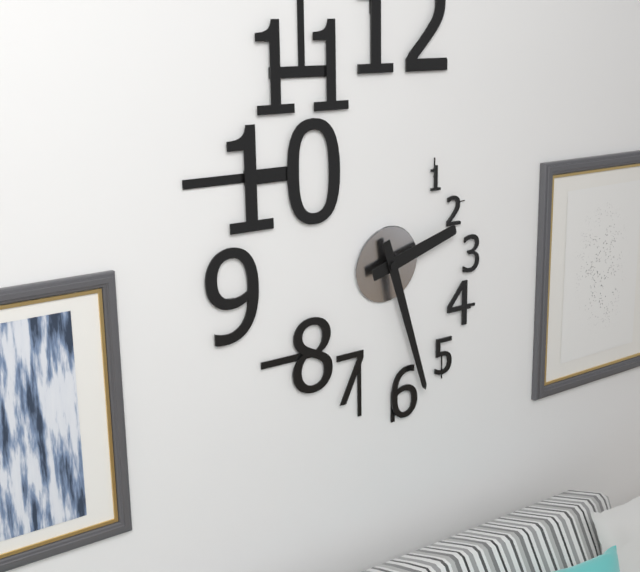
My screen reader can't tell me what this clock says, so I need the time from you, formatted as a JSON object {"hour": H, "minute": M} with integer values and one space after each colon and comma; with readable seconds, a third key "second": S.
{"hour": 2, "minute": 27}
